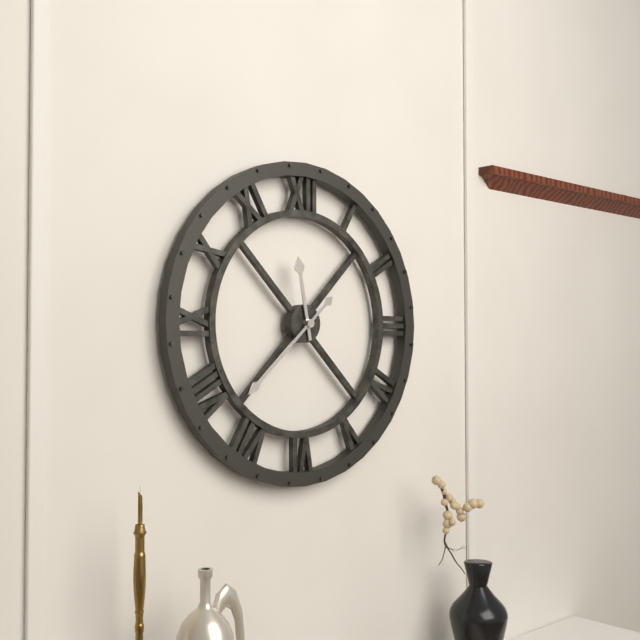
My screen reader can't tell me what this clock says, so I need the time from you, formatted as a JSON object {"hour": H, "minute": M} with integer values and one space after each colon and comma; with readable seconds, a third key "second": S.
{"hour": 11, "minute": 38}
